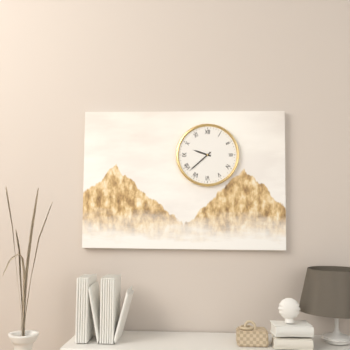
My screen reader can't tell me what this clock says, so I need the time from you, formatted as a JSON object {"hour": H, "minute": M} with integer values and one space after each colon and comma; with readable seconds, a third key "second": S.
{"hour": 9, "minute": 38}
